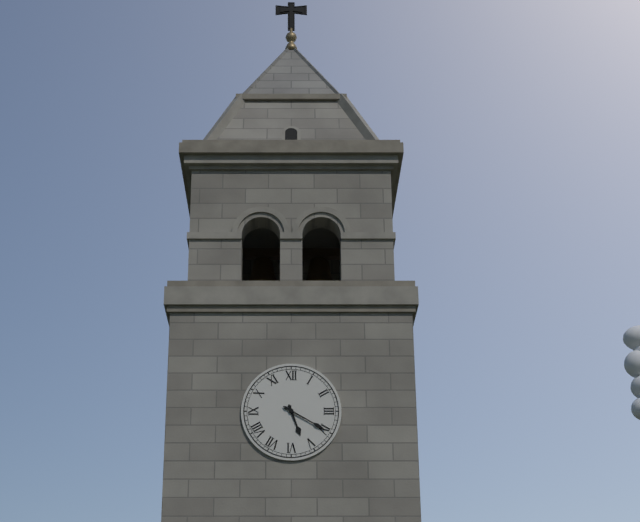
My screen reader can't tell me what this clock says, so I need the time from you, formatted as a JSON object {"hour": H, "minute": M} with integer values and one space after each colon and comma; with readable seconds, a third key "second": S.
{"hour": 5, "minute": 20}
